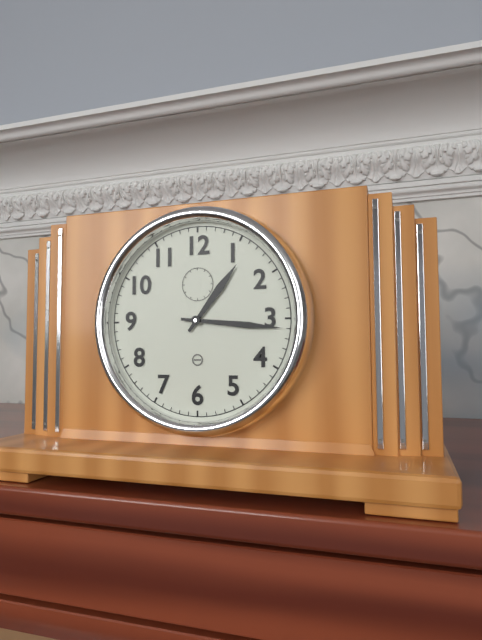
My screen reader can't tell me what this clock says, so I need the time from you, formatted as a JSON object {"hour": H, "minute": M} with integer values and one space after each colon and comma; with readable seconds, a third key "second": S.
{"hour": 1, "minute": 16}
